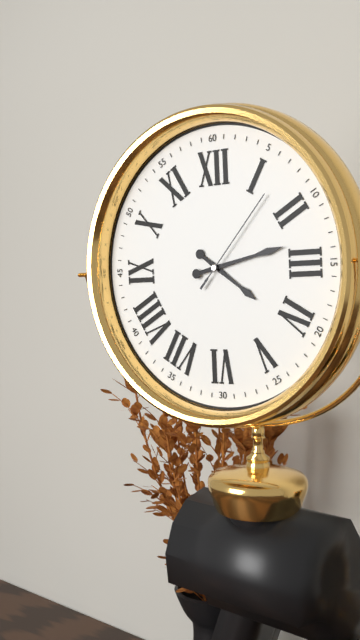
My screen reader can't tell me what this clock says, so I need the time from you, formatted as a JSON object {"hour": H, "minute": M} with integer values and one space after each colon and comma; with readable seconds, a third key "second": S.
{"hour": 4, "minute": 13, "second": 7}
